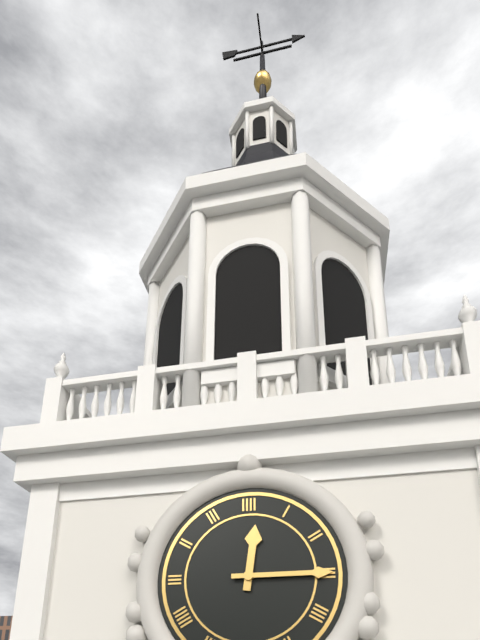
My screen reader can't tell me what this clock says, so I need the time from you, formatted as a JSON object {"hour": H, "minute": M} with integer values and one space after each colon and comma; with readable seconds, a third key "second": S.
{"hour": 12, "minute": 15}
